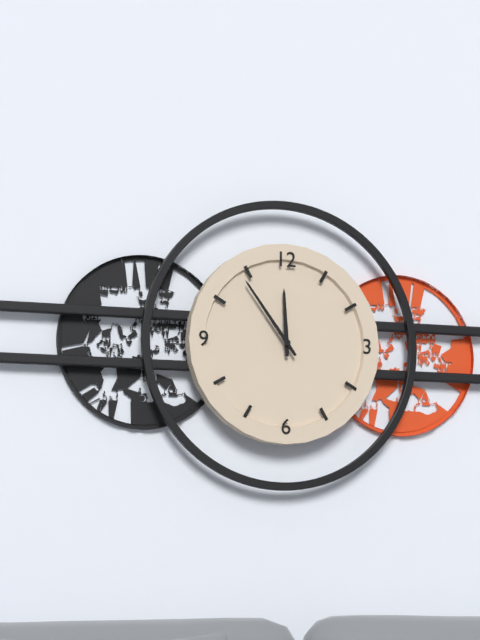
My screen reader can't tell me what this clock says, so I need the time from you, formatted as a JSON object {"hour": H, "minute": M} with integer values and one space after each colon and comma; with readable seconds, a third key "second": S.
{"hour": 11, "minute": 54}
